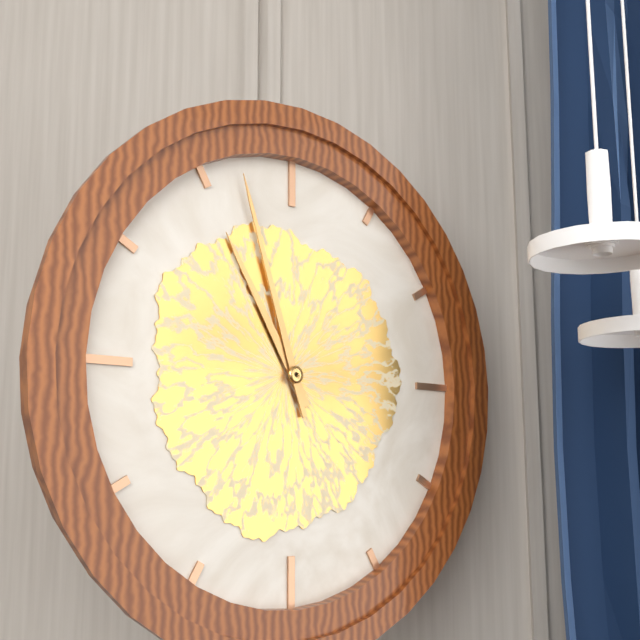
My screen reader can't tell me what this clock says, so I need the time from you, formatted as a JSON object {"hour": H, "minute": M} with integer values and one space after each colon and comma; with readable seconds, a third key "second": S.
{"hour": 10, "minute": 57}
